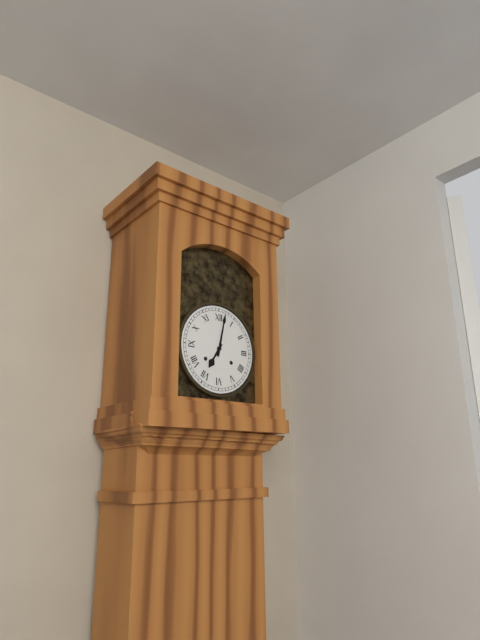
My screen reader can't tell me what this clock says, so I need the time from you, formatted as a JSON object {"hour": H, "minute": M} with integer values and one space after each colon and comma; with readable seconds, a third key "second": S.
{"hour": 7, "minute": 2}
